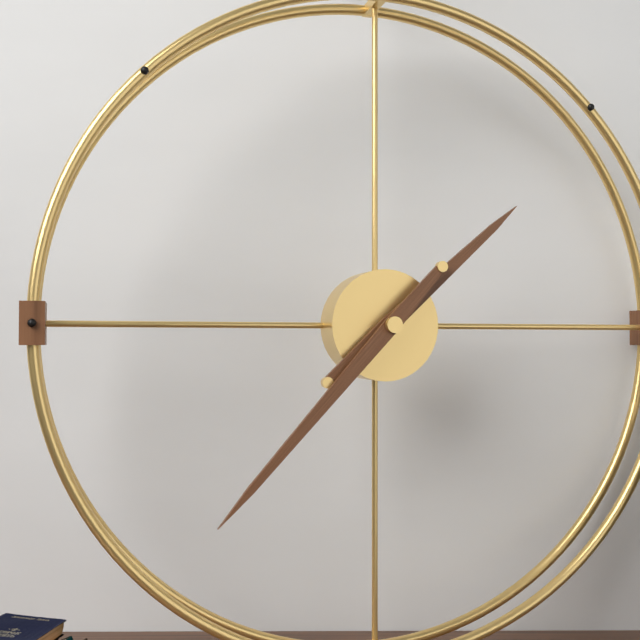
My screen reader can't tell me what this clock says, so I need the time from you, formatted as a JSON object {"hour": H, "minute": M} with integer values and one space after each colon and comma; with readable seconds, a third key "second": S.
{"hour": 1, "minute": 37}
